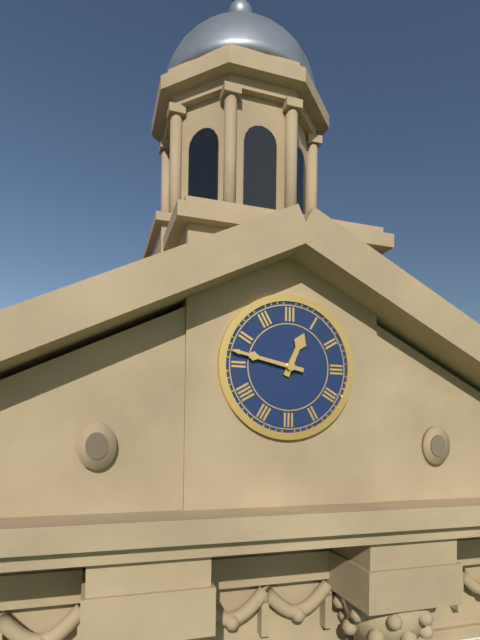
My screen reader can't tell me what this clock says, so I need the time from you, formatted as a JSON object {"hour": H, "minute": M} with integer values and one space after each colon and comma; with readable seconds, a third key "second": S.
{"hour": 12, "minute": 47}
